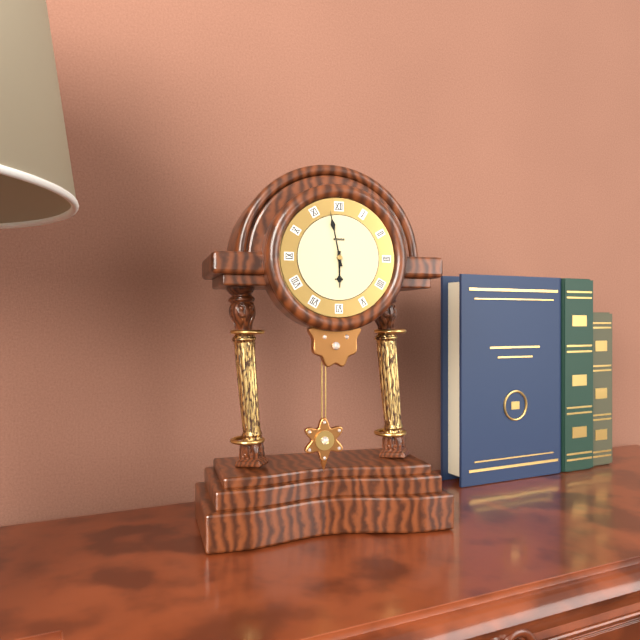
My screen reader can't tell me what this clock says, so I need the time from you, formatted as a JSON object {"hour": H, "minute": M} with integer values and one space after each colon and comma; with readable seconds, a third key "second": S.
{"hour": 5, "minute": 58}
